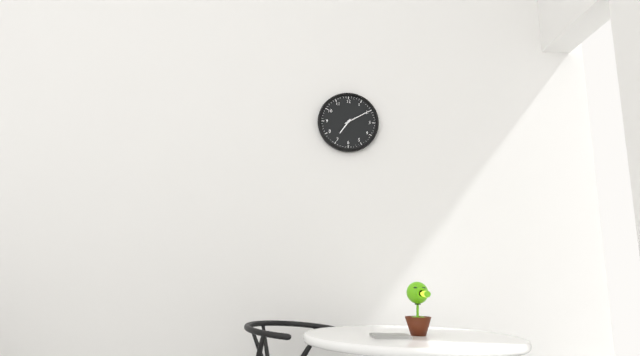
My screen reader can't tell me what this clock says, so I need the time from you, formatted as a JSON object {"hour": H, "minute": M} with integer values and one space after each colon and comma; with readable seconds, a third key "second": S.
{"hour": 7, "minute": 10}
